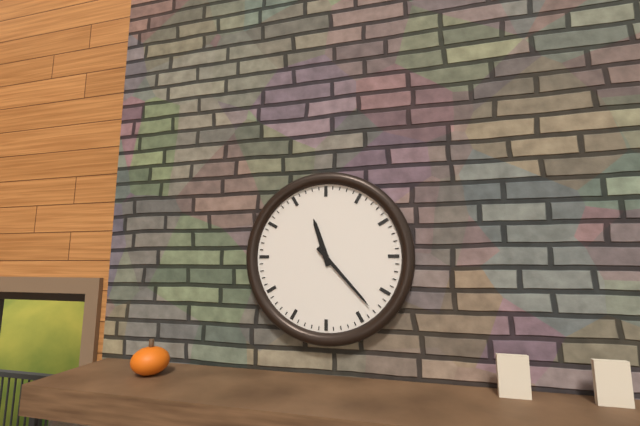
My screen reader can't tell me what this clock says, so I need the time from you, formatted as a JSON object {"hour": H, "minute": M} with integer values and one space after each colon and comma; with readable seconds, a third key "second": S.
{"hour": 11, "minute": 23}
